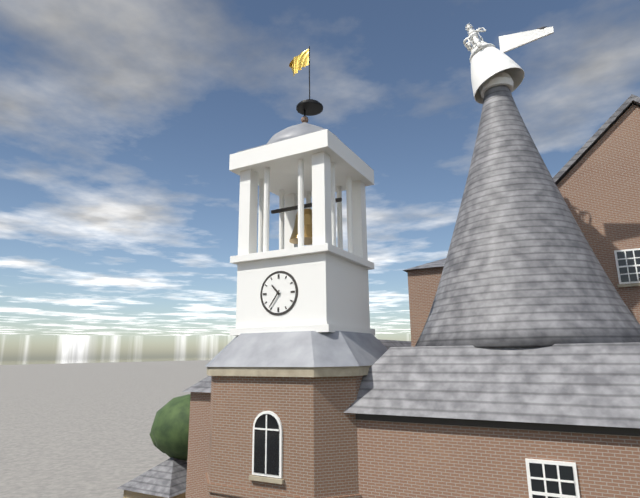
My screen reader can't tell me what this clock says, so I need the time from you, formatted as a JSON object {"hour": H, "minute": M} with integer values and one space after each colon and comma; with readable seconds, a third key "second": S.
{"hour": 10, "minute": 36}
